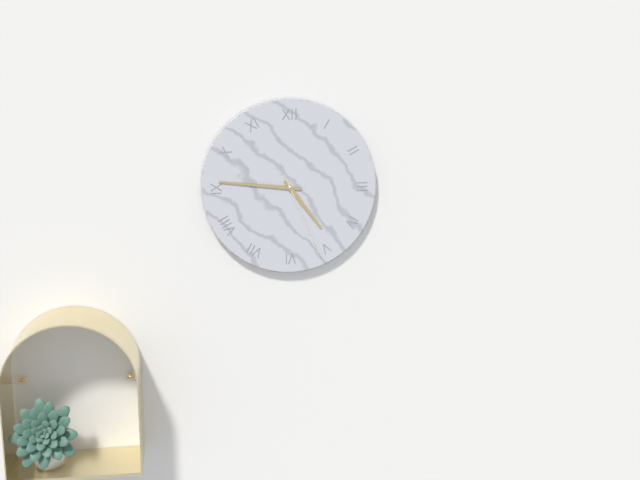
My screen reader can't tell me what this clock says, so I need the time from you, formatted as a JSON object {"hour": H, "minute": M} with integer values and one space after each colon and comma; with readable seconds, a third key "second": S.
{"hour": 4, "minute": 46, "second": 26}
